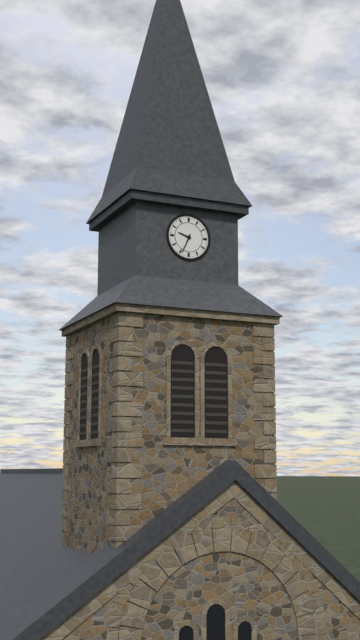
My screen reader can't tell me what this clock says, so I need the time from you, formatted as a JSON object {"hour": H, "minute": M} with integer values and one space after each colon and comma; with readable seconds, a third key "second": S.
{"hour": 9, "minute": 34}
